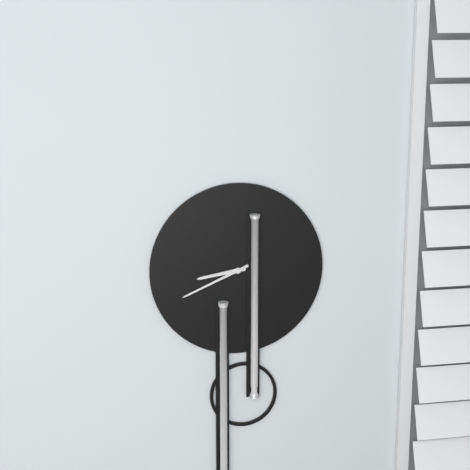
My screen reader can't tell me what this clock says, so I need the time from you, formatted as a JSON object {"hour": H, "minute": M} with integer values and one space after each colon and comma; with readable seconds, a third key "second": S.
{"hour": 8, "minute": 41}
